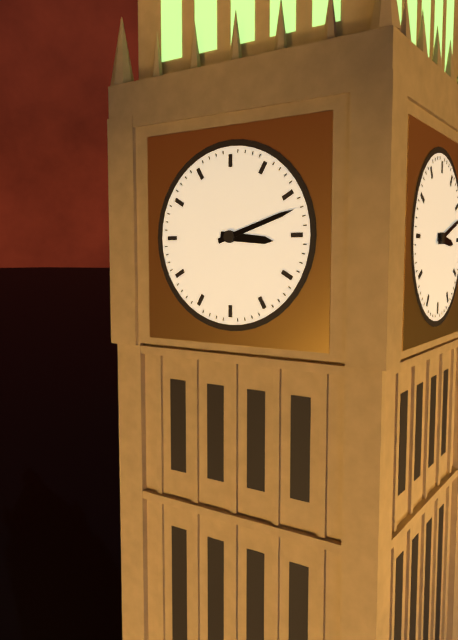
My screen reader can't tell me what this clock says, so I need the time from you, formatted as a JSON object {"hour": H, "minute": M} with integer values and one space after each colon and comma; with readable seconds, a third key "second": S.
{"hour": 3, "minute": 12}
